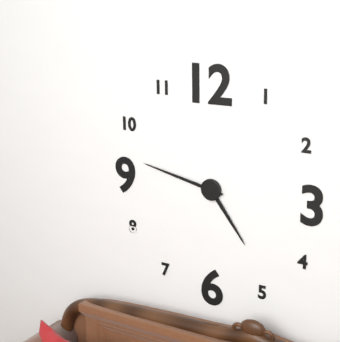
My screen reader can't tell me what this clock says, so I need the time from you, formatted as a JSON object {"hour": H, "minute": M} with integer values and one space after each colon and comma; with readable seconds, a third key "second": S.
{"hour": 4, "minute": 47}
